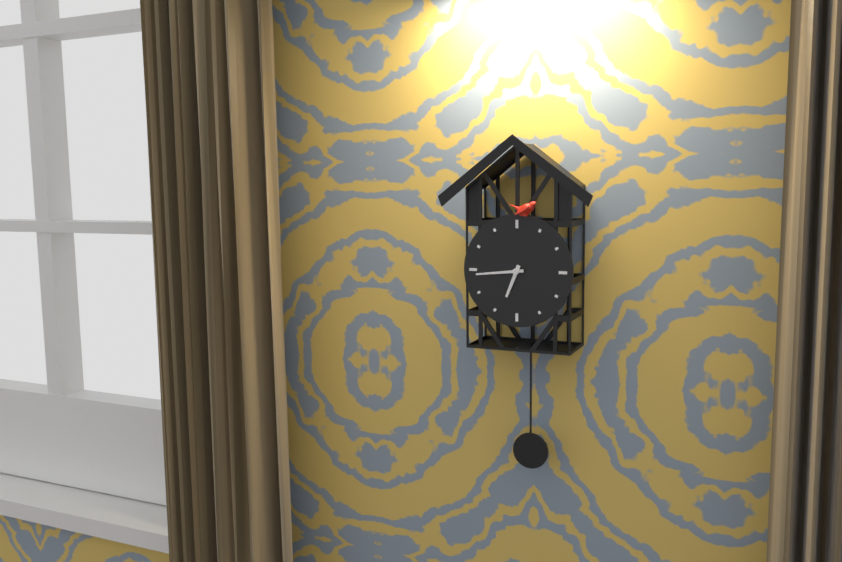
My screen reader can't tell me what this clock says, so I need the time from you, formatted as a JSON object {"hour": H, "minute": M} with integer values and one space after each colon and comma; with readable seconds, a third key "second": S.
{"hour": 6, "minute": 44}
